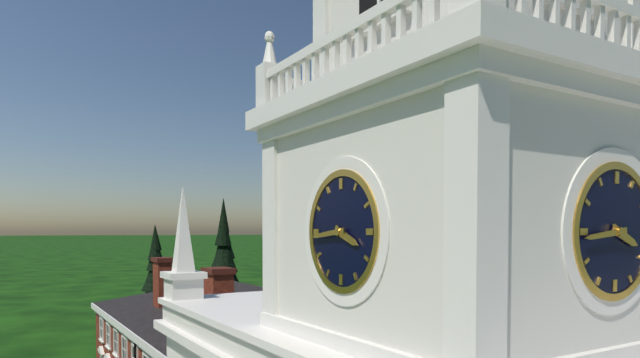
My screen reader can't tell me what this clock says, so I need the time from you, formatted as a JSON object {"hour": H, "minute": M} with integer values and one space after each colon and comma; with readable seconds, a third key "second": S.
{"hour": 3, "minute": 44}
